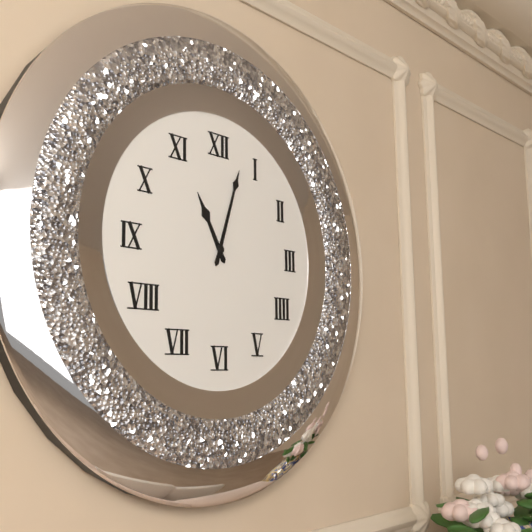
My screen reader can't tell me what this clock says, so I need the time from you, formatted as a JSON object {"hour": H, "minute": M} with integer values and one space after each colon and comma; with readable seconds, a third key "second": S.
{"hour": 11, "minute": 3}
